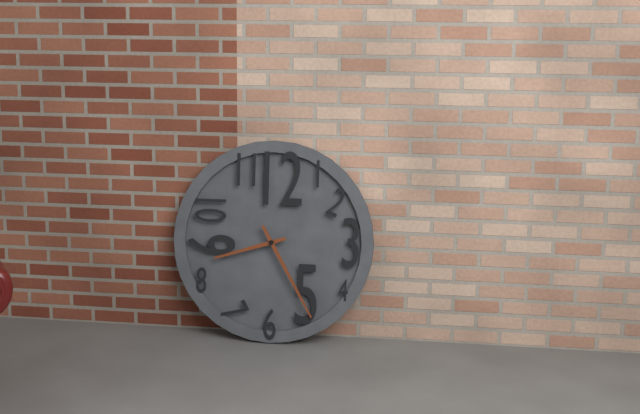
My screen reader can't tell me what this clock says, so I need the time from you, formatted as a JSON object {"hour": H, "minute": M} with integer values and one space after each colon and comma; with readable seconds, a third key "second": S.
{"hour": 8, "minute": 25}
